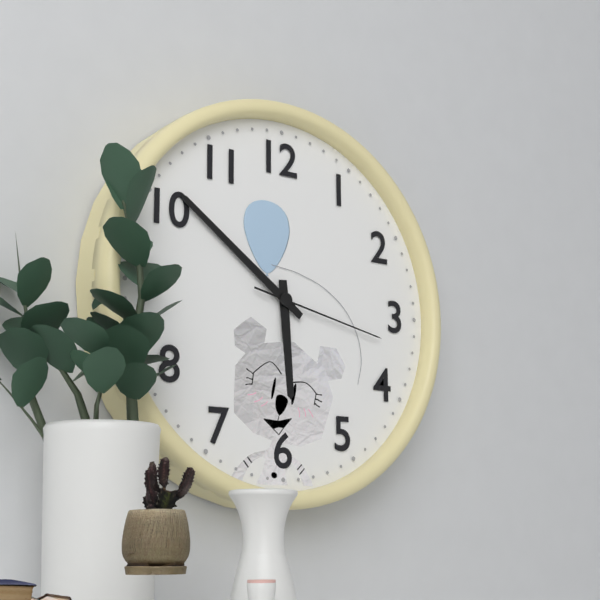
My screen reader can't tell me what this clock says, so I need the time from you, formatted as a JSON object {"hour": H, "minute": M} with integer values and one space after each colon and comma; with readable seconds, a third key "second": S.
{"hour": 5, "minute": 51, "second": 17}
